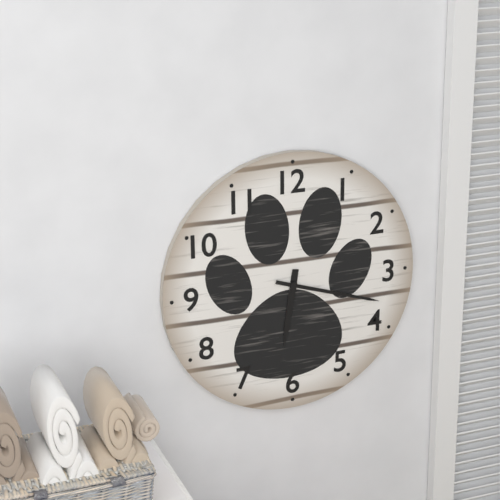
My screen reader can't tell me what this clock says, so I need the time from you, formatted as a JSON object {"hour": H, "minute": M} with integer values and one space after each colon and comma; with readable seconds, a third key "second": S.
{"hour": 6, "minute": 18}
